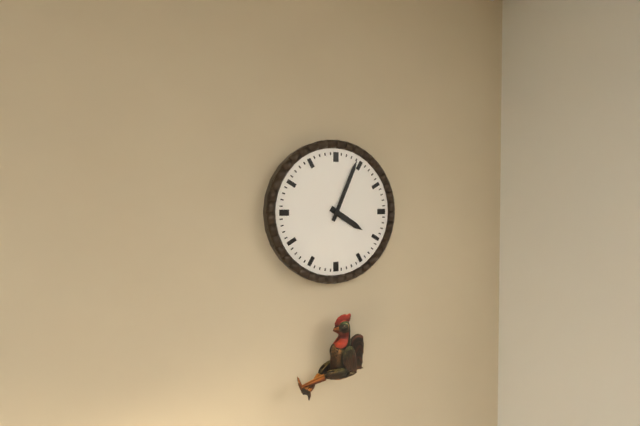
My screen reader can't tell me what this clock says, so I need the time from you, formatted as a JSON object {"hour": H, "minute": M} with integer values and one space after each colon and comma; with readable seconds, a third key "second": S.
{"hour": 4, "minute": 4}
